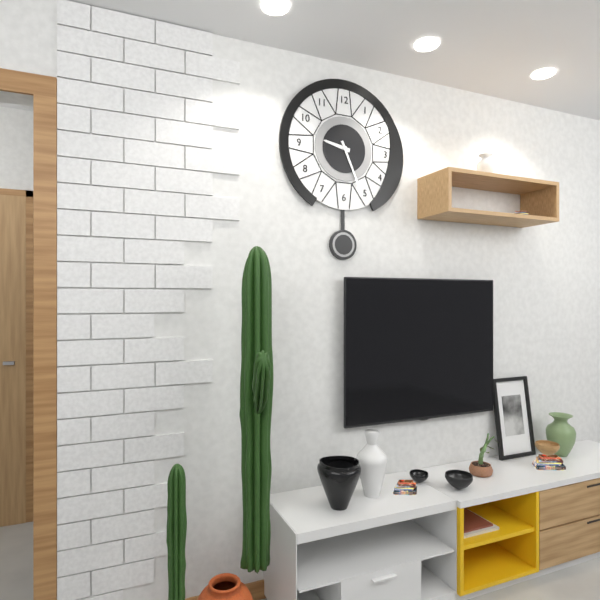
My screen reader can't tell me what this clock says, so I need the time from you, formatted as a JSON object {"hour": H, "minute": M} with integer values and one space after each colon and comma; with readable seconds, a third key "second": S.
{"hour": 9, "minute": 26}
